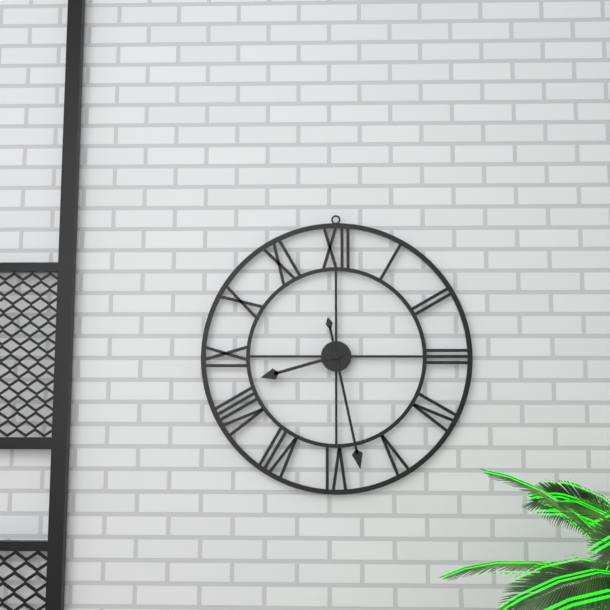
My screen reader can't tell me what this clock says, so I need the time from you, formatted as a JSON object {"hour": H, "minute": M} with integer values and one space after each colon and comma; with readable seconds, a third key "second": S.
{"hour": 8, "minute": 28}
